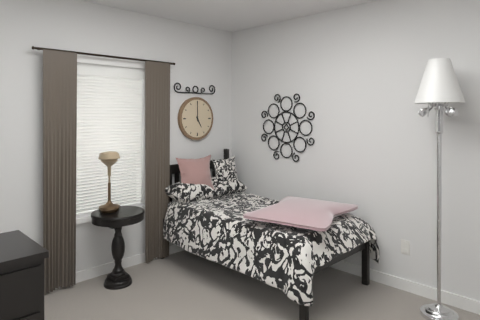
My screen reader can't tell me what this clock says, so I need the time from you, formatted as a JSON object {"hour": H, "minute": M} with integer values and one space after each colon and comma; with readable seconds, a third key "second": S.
{"hour": 5, "minute": 0}
